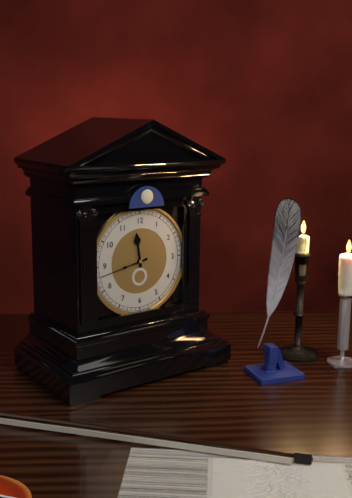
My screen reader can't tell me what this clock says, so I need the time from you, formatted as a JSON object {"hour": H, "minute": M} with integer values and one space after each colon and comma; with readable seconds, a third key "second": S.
{"hour": 11, "minute": 43}
